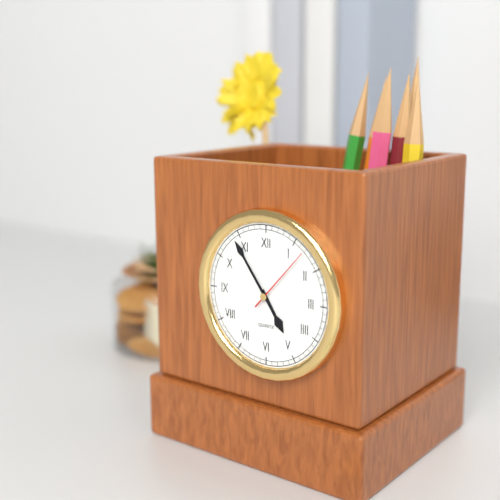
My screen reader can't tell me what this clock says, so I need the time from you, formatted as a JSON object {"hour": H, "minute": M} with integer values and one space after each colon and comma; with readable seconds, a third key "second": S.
{"hour": 4, "minute": 54, "second": 7}
